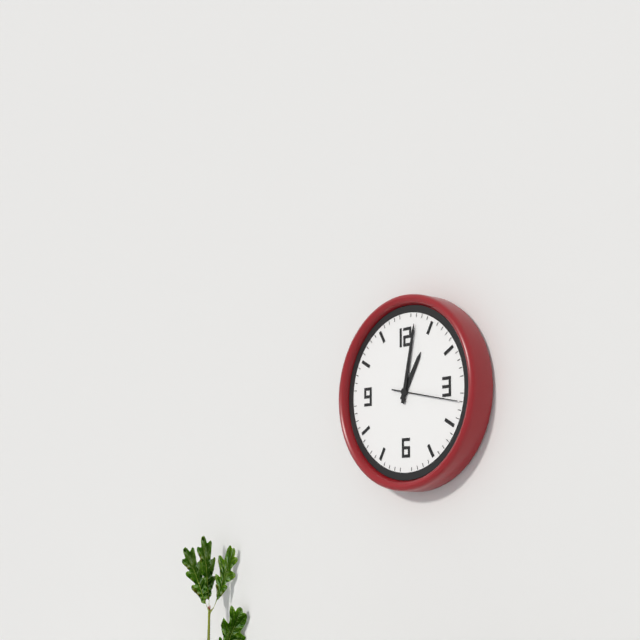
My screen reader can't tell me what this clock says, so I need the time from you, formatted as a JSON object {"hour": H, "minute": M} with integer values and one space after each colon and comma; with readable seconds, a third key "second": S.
{"hour": 1, "minute": 2, "second": 17}
